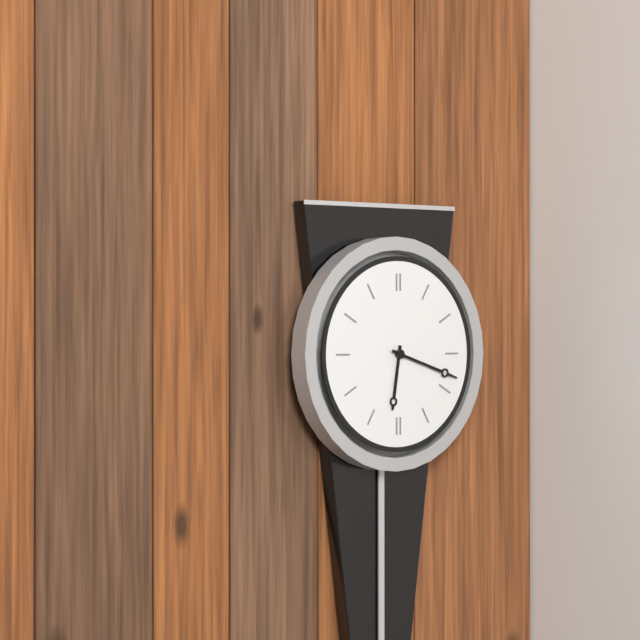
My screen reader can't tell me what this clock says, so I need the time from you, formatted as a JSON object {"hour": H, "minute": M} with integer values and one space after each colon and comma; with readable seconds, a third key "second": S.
{"hour": 6, "minute": 18}
